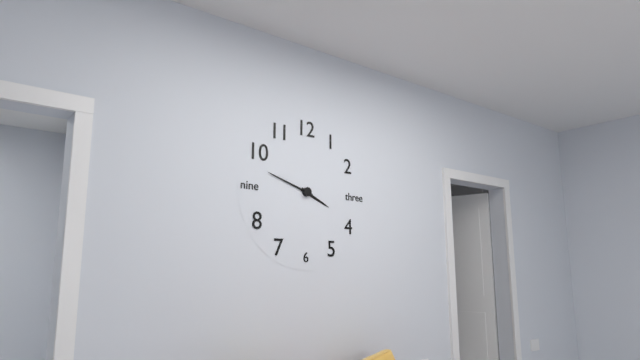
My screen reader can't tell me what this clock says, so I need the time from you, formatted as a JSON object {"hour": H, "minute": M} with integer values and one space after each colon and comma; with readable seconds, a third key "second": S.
{"hour": 3, "minute": 48}
